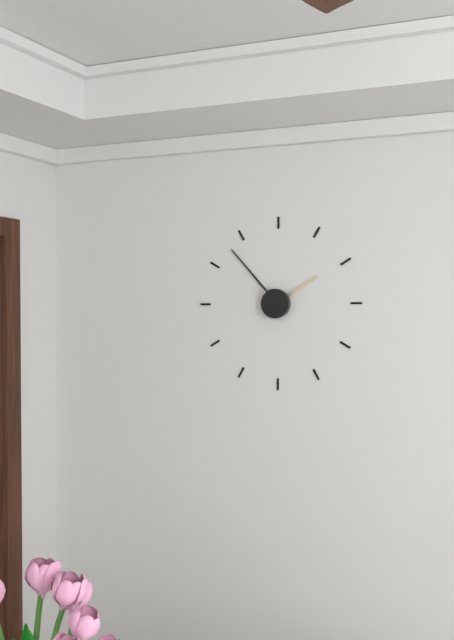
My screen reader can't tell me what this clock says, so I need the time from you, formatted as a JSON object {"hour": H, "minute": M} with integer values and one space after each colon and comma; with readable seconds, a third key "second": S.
{"hour": 1, "minute": 53}
